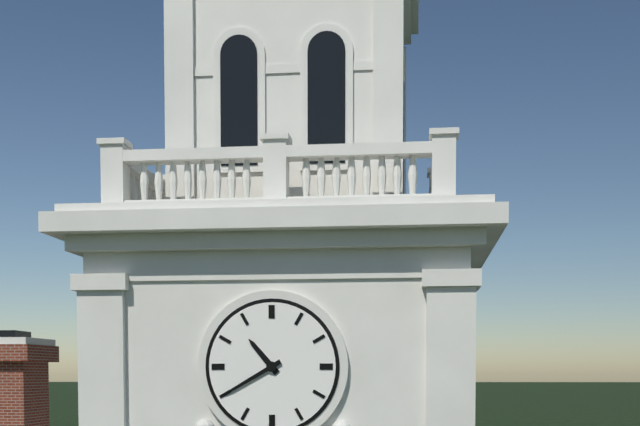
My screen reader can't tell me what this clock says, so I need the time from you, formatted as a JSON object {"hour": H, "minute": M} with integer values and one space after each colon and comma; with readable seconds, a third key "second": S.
{"hour": 10, "minute": 40}
